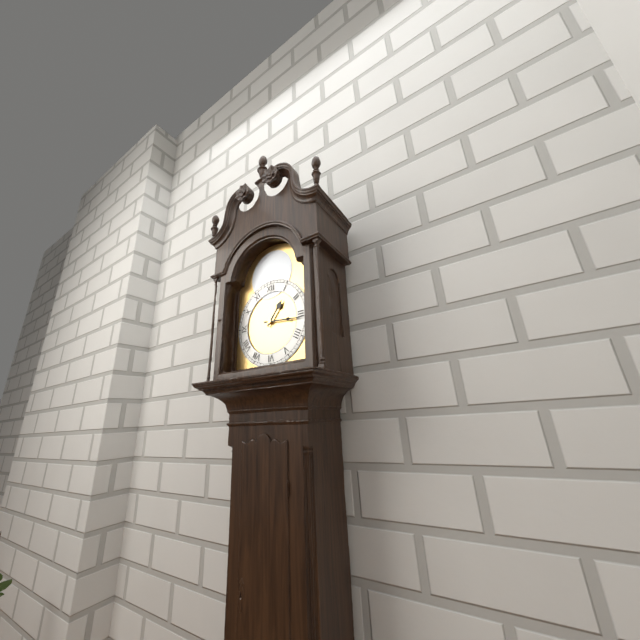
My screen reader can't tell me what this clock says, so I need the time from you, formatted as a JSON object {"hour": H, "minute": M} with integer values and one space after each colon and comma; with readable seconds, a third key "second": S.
{"hour": 1, "minute": 16}
